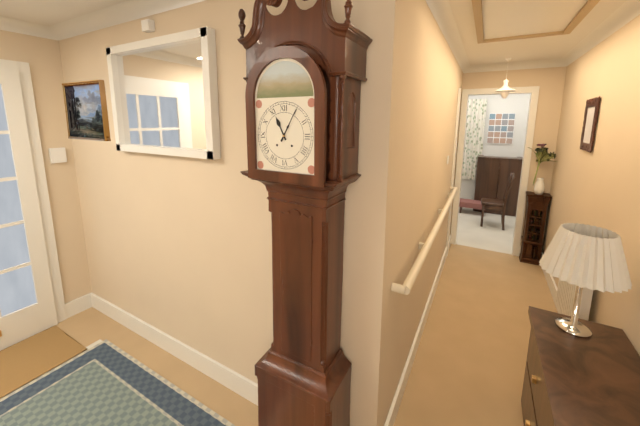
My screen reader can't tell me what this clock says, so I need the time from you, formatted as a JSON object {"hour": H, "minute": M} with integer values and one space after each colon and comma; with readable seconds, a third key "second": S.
{"hour": 11, "minute": 5}
